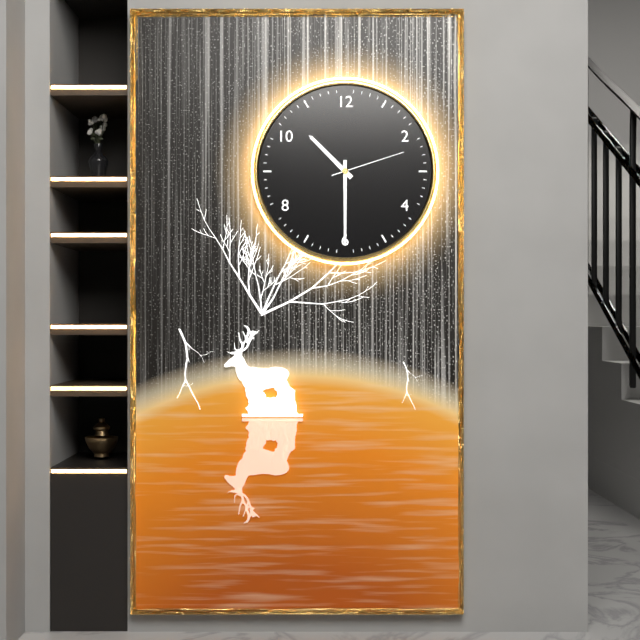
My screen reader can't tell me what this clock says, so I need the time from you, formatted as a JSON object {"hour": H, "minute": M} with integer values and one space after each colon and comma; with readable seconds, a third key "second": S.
{"hour": 10, "minute": 30, "second": 12}
